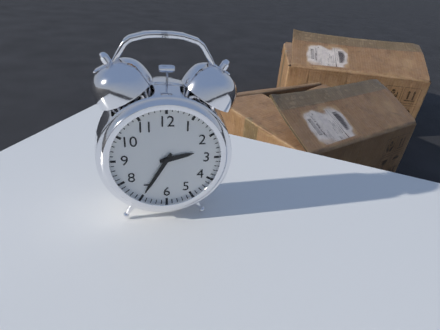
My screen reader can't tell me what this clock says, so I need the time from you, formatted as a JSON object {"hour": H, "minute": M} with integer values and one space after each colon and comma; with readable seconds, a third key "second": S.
{"hour": 2, "minute": 35}
